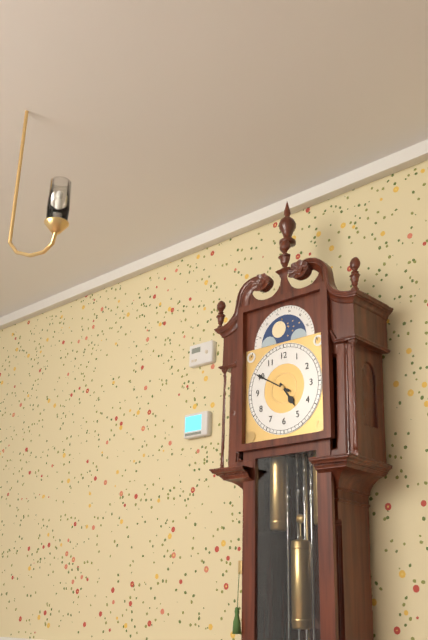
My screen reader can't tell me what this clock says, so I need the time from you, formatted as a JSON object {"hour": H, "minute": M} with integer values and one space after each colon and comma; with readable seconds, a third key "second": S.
{"hour": 4, "minute": 50}
